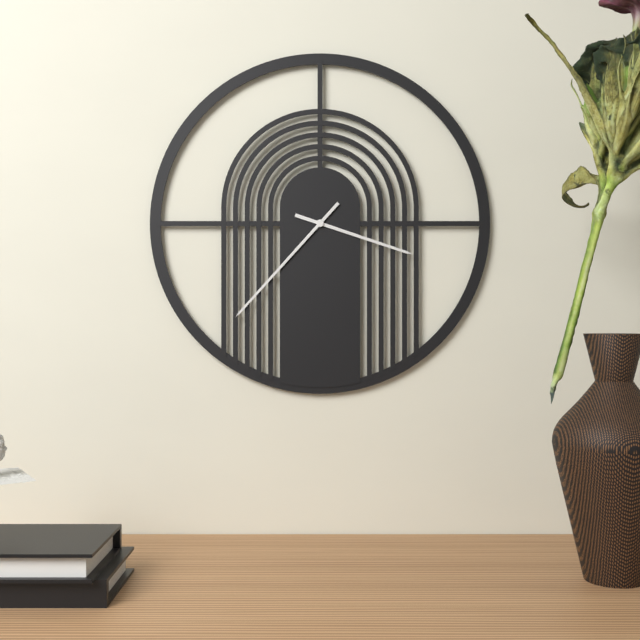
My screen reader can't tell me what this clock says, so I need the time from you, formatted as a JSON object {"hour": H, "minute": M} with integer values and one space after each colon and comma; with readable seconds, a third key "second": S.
{"hour": 3, "minute": 37}
